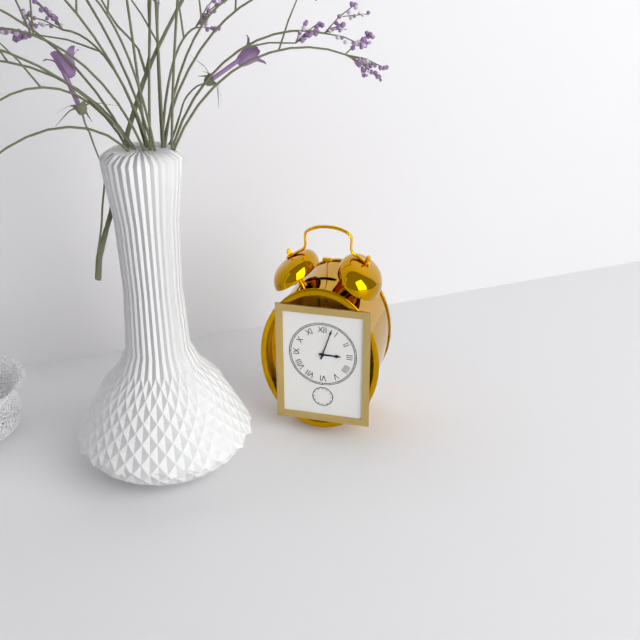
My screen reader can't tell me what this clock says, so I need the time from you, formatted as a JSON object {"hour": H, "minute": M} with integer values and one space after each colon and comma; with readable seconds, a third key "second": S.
{"hour": 3, "minute": 3}
